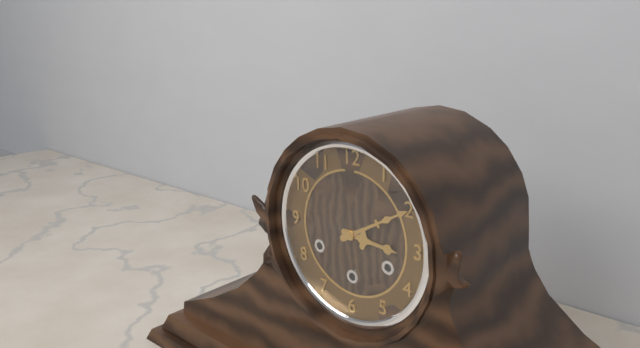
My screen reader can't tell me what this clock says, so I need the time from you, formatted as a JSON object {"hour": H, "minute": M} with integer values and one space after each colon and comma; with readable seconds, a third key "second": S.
{"hour": 3, "minute": 10}
